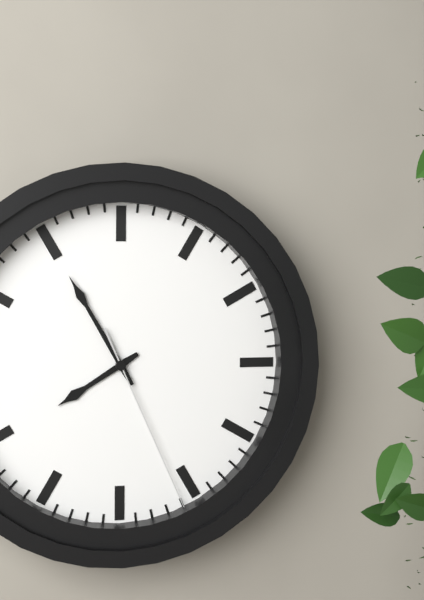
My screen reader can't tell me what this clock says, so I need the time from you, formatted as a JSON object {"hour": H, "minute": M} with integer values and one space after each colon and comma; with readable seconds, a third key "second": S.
{"hour": 7, "minute": 55, "second": 26}
